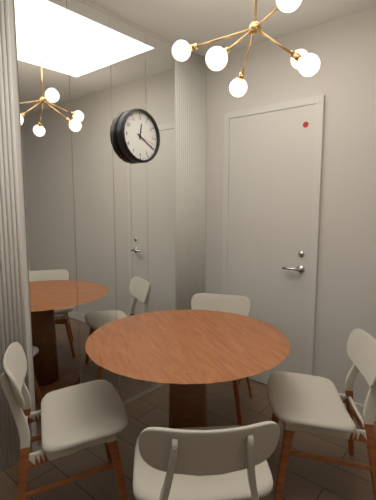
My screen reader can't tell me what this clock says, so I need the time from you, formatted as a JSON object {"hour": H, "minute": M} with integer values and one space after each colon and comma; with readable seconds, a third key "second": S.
{"hour": 12, "minute": 20}
